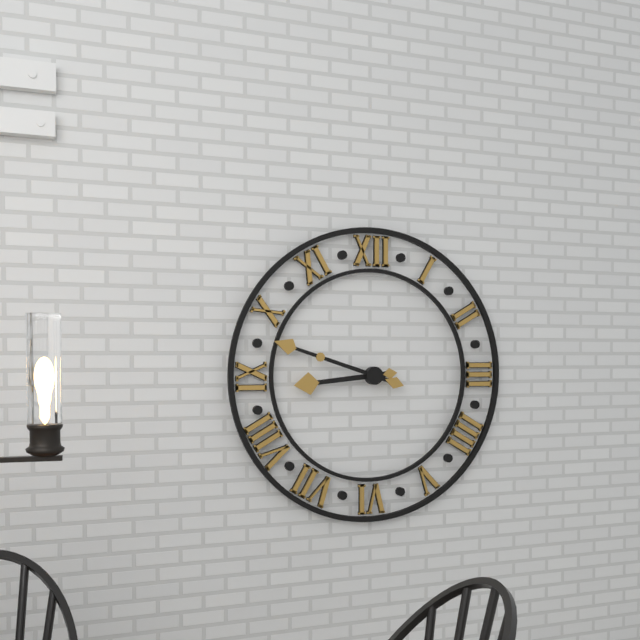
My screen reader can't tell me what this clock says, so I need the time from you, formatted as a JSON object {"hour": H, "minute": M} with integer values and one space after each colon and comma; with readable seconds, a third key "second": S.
{"hour": 8, "minute": 48}
